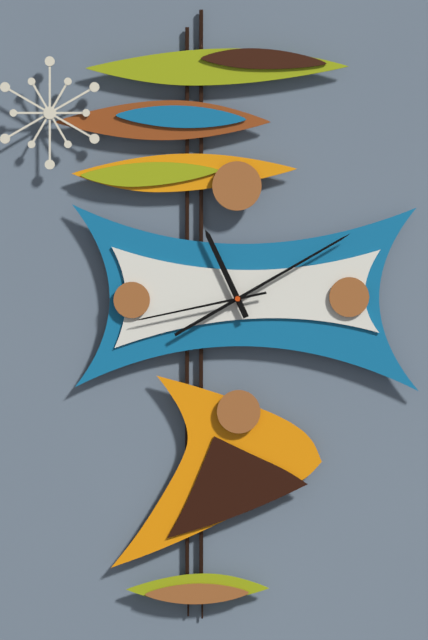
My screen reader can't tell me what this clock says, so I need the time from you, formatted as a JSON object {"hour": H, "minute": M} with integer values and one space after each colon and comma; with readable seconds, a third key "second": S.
{"hour": 11, "minute": 10, "second": 43}
